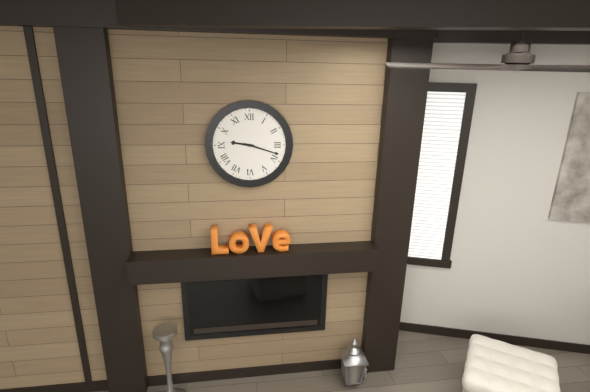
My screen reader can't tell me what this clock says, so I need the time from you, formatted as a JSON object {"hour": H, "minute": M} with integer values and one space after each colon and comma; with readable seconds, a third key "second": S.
{"hour": 9, "minute": 18}
